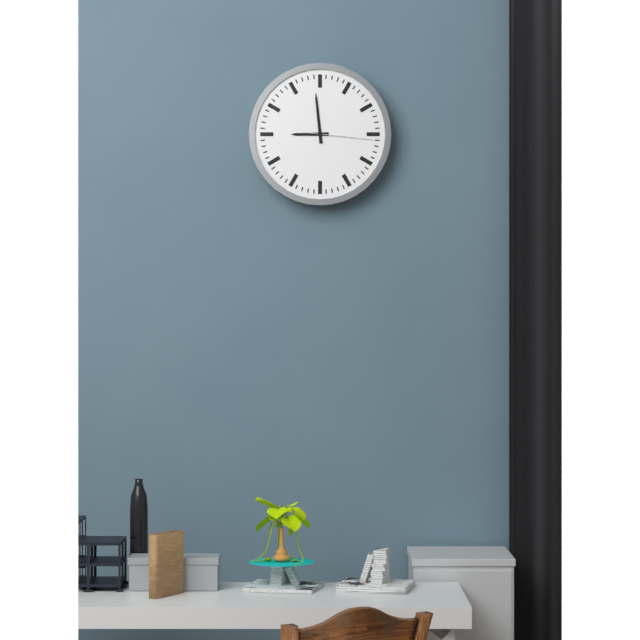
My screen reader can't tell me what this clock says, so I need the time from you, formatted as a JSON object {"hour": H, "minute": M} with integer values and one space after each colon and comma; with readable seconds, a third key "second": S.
{"hour": 8, "minute": 59, "second": 16}
